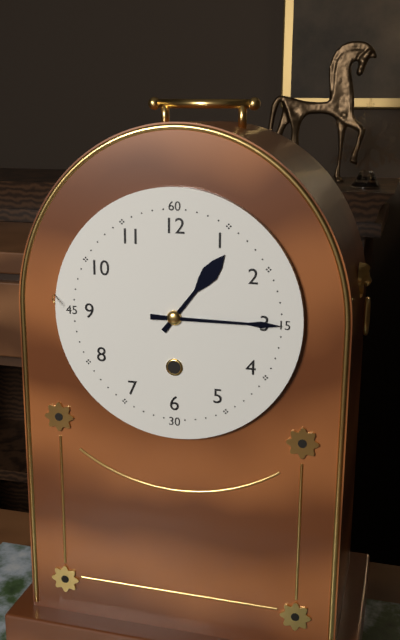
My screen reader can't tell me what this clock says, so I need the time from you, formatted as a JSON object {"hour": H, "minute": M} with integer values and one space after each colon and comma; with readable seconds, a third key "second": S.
{"hour": 1, "minute": 15}
